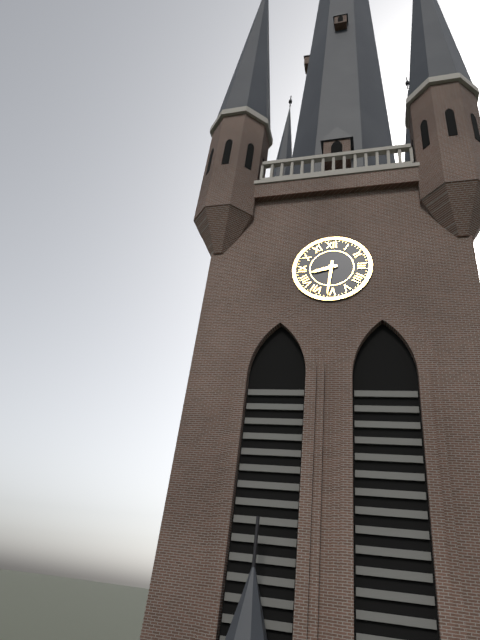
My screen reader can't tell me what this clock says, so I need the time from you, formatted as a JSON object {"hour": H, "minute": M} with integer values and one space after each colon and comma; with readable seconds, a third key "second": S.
{"hour": 8, "minute": 31}
